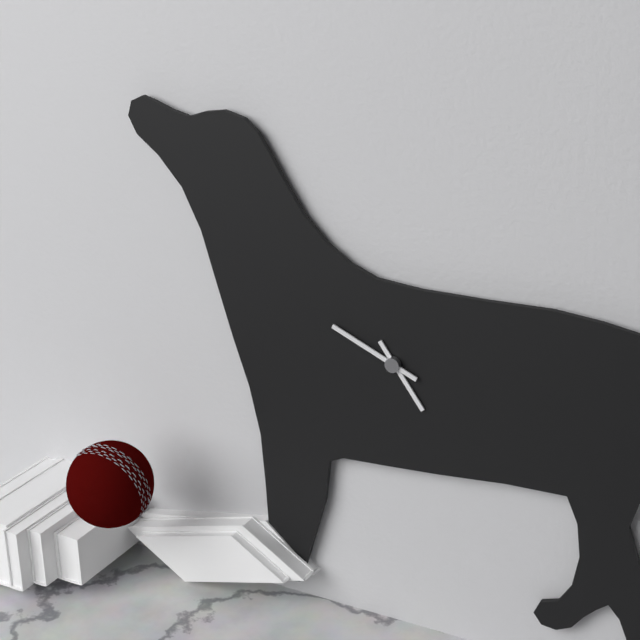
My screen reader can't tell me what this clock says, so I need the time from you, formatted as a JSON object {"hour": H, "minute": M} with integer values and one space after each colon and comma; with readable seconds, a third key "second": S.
{"hour": 4, "minute": 49}
